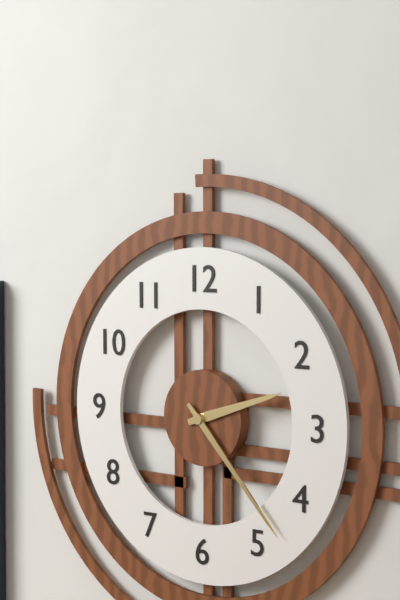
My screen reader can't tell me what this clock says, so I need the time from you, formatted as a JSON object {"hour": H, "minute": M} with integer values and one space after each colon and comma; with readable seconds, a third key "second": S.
{"hour": 2, "minute": 23}
